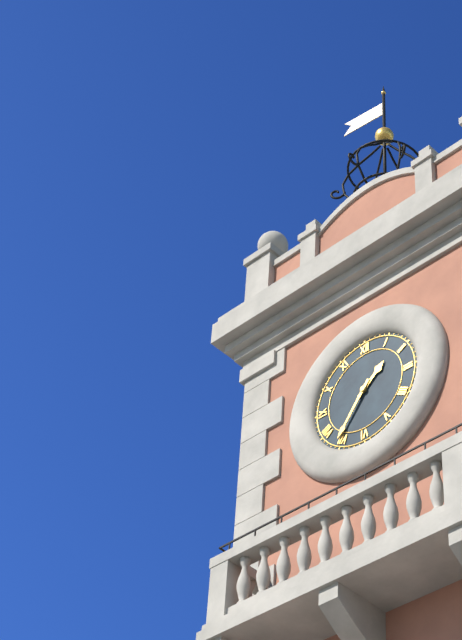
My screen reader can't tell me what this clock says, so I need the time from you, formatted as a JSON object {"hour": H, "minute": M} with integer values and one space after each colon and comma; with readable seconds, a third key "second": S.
{"hour": 1, "minute": 36}
